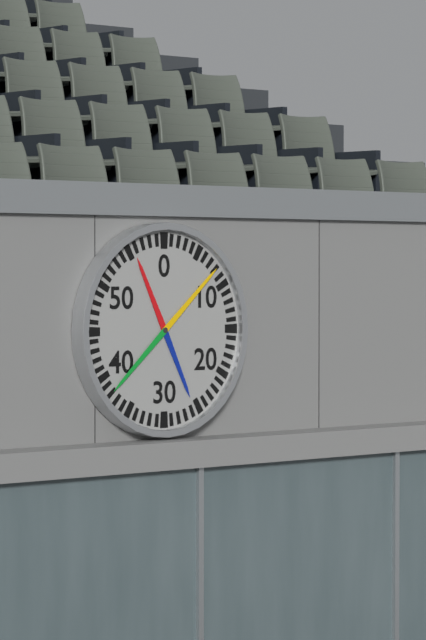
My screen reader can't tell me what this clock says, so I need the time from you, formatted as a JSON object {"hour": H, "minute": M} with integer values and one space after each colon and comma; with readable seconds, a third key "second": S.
{"hour": 11, "minute": 8}
